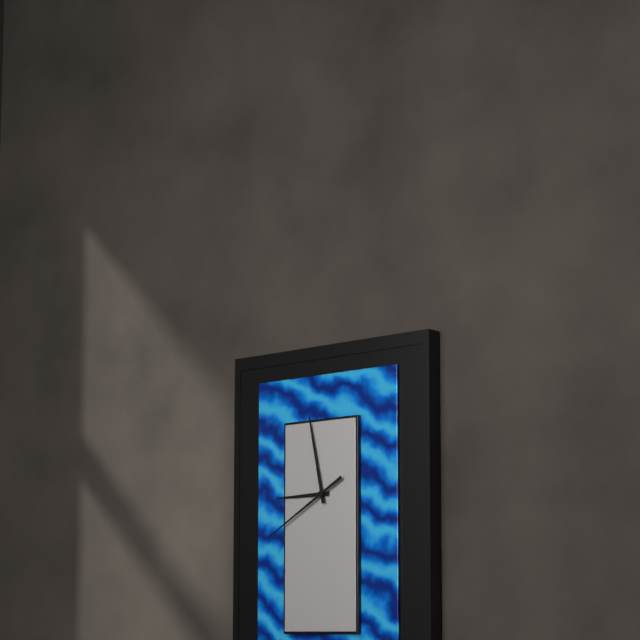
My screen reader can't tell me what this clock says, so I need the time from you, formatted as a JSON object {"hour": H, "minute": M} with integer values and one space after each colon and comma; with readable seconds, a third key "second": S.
{"hour": 8, "minute": 58, "second": 40}
